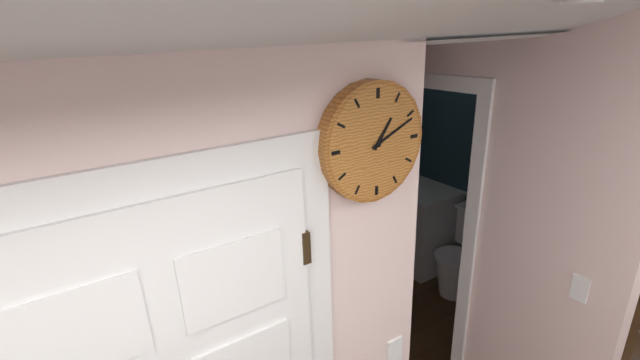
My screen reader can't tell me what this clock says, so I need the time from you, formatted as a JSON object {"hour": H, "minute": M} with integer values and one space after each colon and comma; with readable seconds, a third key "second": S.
{"hour": 1, "minute": 11}
